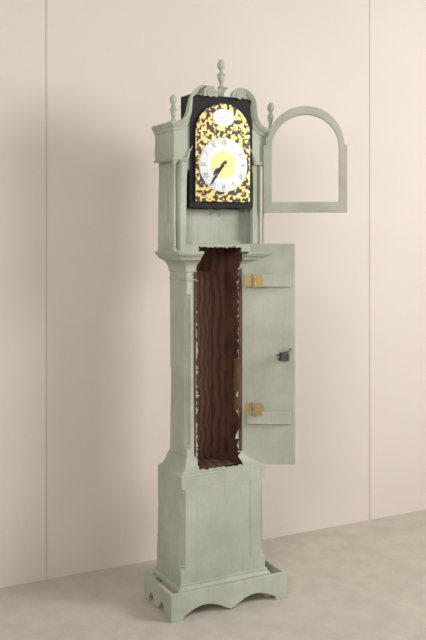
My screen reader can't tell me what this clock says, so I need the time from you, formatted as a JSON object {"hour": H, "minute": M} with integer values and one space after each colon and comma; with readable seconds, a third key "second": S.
{"hour": 7, "minute": 36}
